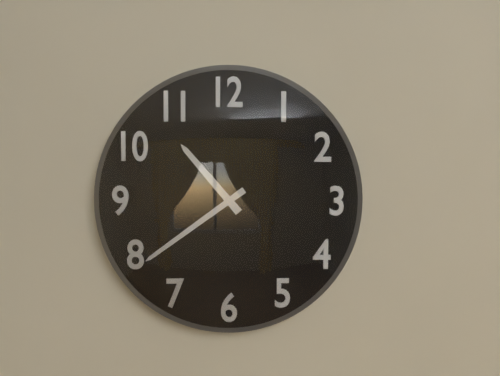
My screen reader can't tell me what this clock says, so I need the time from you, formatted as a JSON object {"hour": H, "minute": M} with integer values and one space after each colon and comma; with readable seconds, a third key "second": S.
{"hour": 10, "minute": 39}
